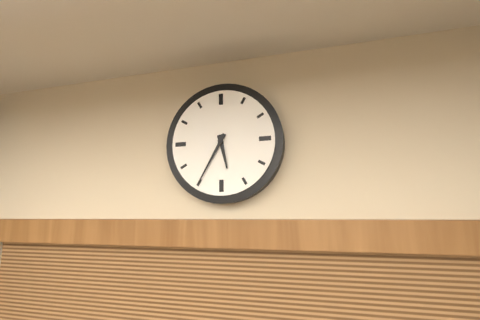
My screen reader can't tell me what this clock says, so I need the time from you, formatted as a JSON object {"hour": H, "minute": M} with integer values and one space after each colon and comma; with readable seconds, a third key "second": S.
{"hour": 5, "minute": 35}
